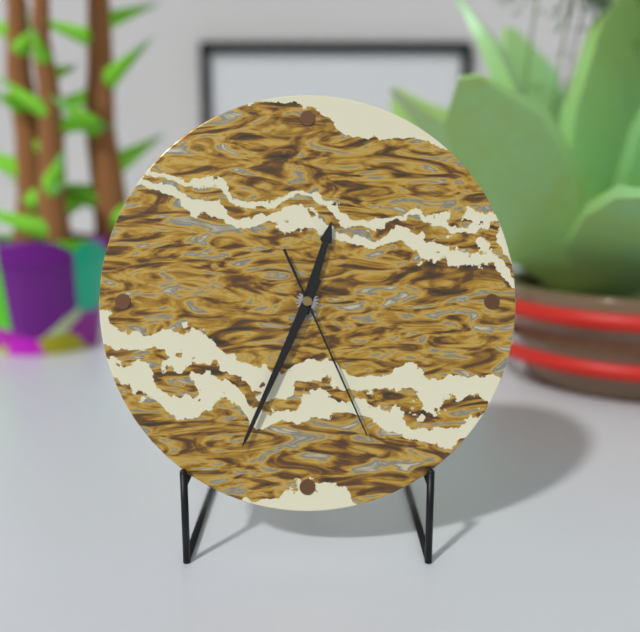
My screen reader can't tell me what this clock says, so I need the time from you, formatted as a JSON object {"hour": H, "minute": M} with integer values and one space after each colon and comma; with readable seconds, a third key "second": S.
{"hour": 12, "minute": 34, "second": 26}
